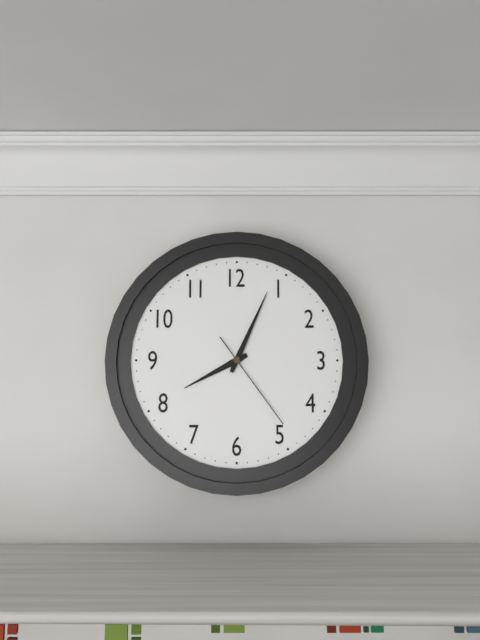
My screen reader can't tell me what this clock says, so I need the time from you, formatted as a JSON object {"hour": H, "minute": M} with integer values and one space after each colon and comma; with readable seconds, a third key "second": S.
{"hour": 8, "minute": 4, "second": 24}
